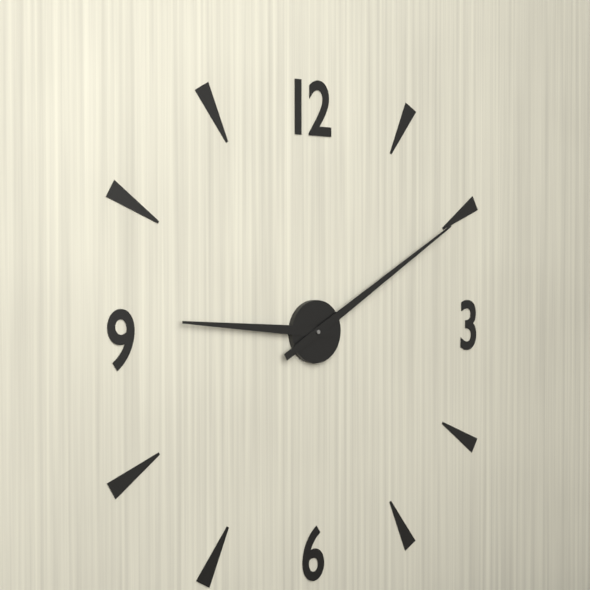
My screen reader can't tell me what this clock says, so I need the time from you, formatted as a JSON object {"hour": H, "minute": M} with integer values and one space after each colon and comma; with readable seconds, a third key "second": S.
{"hour": 9, "minute": 10}
